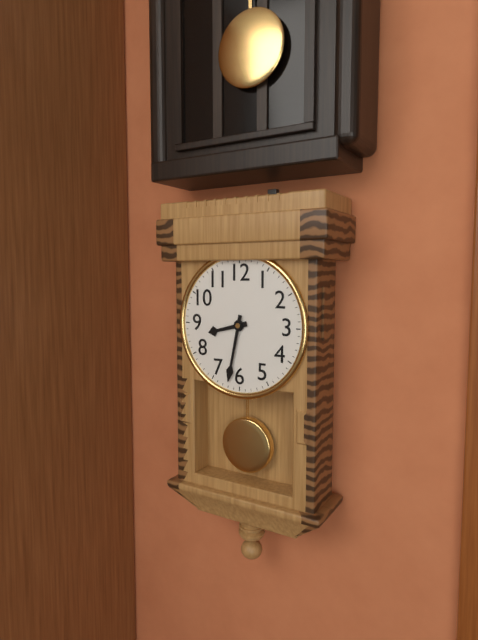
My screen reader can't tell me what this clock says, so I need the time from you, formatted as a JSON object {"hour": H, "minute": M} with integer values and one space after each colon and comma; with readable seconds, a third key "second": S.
{"hour": 8, "minute": 32}
